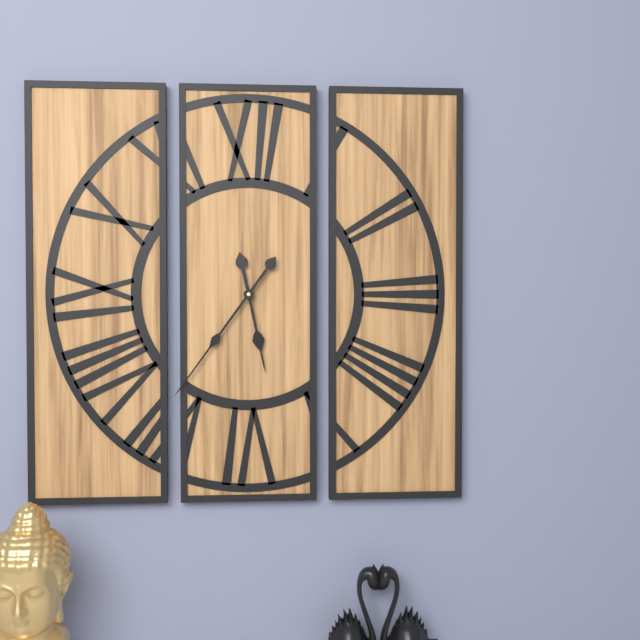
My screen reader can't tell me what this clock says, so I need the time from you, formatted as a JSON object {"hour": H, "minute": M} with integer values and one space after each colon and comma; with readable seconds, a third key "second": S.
{"hour": 5, "minute": 36}
